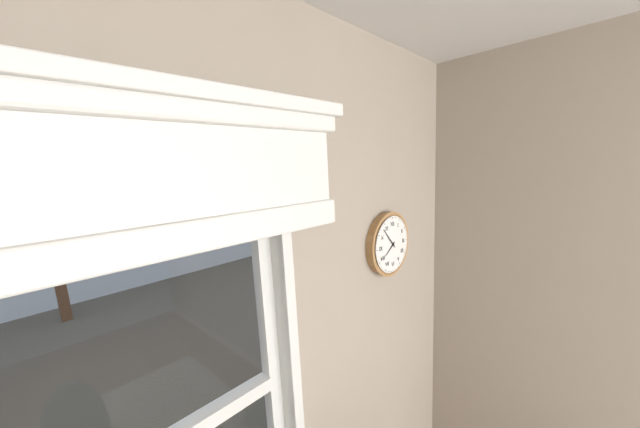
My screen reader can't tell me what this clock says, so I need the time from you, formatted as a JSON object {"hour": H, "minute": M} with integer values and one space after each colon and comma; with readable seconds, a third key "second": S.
{"hour": 7, "minute": 53}
